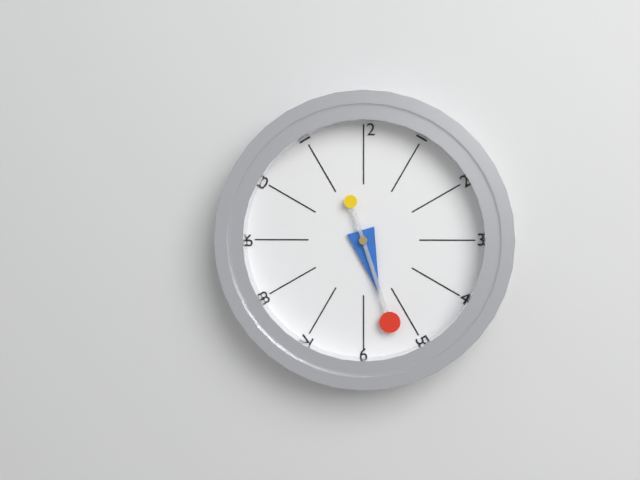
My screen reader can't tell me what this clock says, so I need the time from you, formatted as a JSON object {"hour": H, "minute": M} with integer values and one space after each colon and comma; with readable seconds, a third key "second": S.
{"hour": 5, "minute": 27}
